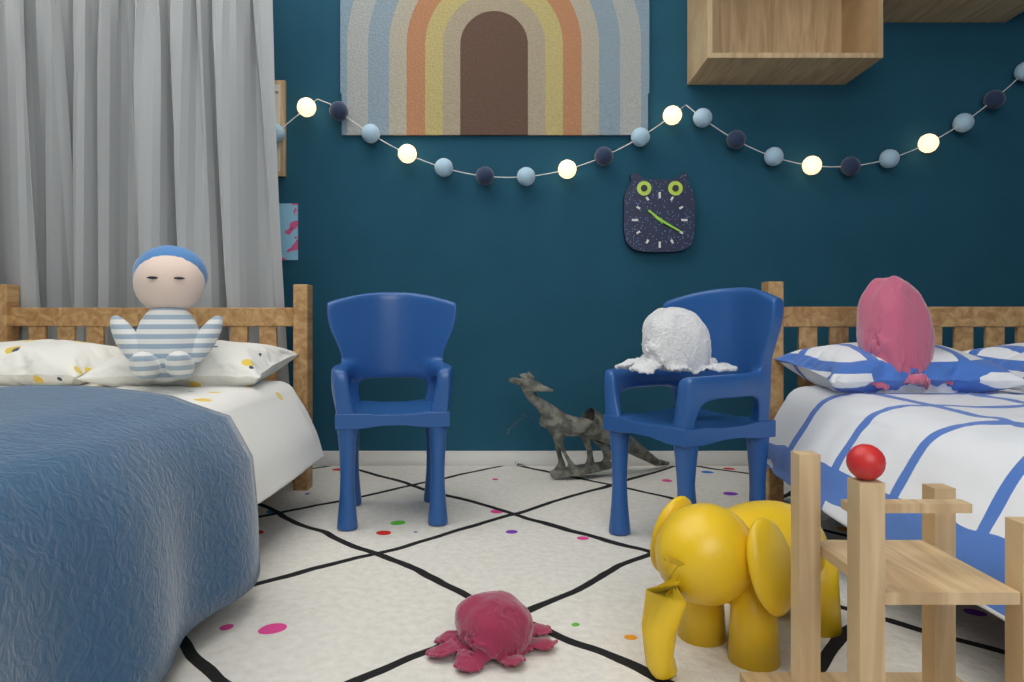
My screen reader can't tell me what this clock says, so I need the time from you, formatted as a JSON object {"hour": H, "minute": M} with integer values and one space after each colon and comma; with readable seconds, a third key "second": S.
{"hour": 10, "minute": 20}
